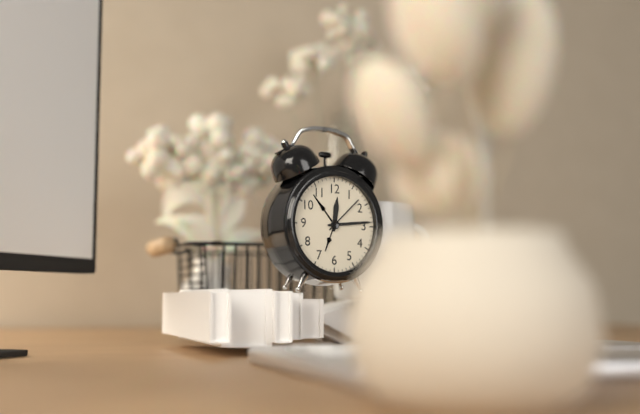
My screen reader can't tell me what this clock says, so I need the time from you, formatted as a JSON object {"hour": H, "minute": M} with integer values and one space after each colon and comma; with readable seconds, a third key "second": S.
{"hour": 12, "minute": 14}
